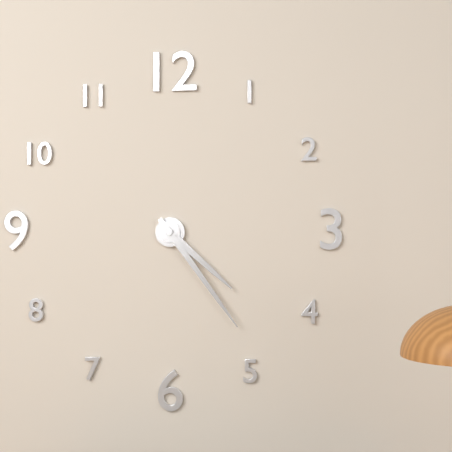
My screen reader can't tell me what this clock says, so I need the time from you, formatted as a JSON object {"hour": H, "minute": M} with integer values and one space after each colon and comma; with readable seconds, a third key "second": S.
{"hour": 4, "minute": 24}
